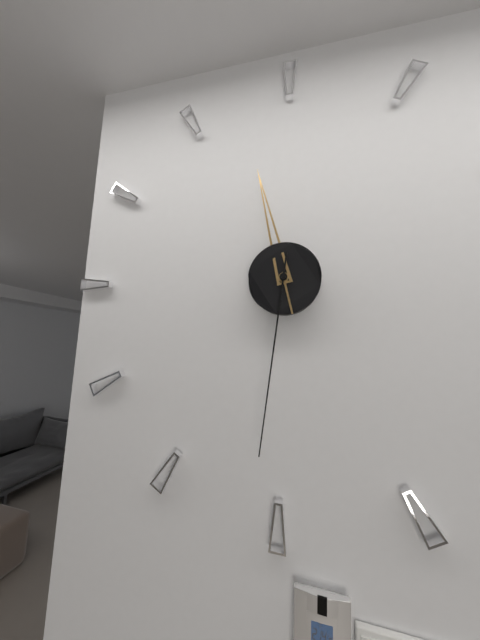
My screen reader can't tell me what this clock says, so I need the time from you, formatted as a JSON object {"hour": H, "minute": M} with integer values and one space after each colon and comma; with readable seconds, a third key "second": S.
{"hour": 11, "minute": 31}
